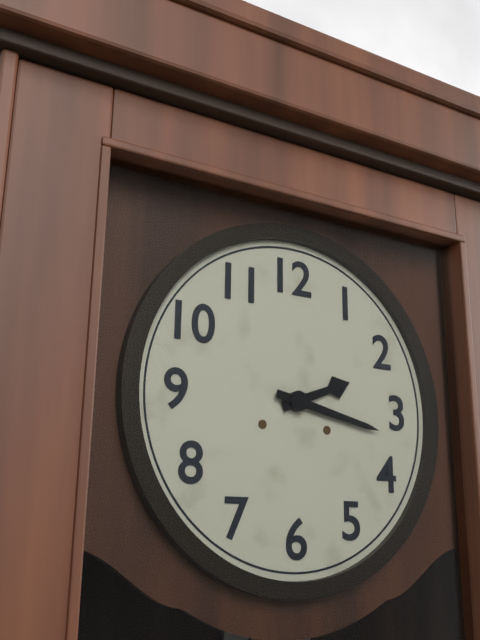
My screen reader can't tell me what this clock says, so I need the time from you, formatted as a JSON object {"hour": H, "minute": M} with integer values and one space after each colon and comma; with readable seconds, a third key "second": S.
{"hour": 2, "minute": 17}
